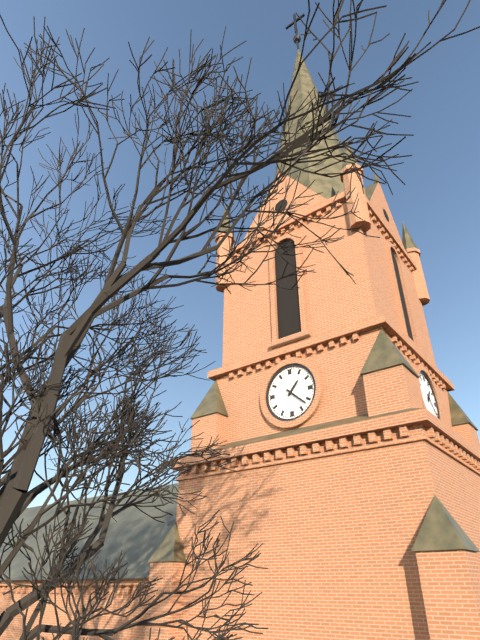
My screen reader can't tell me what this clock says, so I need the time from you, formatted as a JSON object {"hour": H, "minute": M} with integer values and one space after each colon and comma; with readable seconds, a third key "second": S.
{"hour": 1, "minute": 22}
